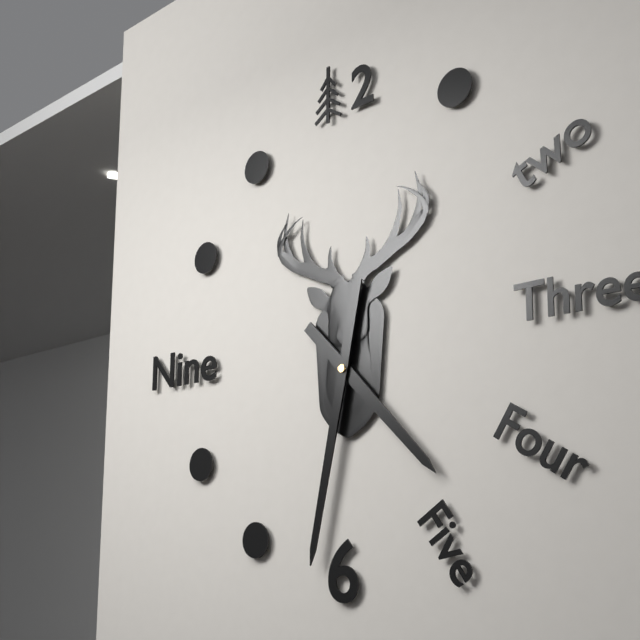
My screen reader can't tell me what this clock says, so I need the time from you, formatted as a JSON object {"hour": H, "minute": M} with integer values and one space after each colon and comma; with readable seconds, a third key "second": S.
{"hour": 4, "minute": 32}
